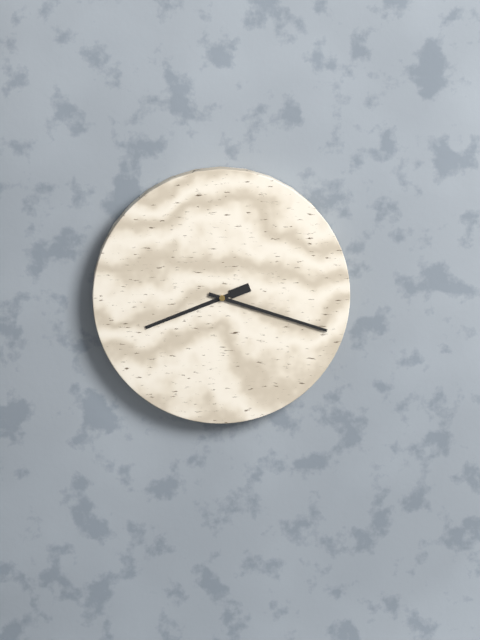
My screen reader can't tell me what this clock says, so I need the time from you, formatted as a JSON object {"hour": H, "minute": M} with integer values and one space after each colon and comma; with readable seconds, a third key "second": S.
{"hour": 8, "minute": 18}
